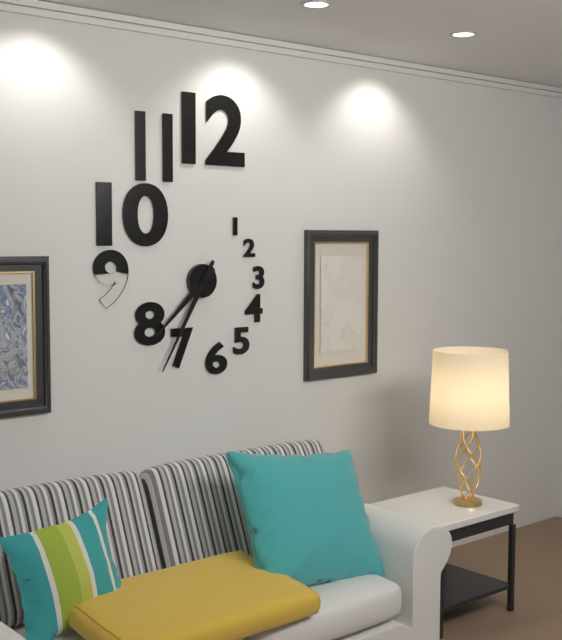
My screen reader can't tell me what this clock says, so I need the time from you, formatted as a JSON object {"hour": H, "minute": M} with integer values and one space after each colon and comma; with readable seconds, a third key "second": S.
{"hour": 7, "minute": 35}
